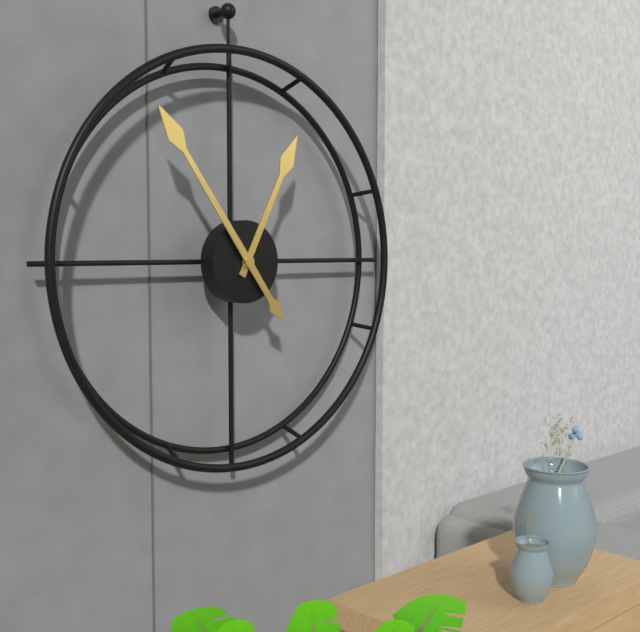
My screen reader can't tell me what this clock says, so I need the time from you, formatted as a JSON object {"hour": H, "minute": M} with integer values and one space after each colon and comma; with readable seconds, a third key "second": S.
{"hour": 12, "minute": 54}
